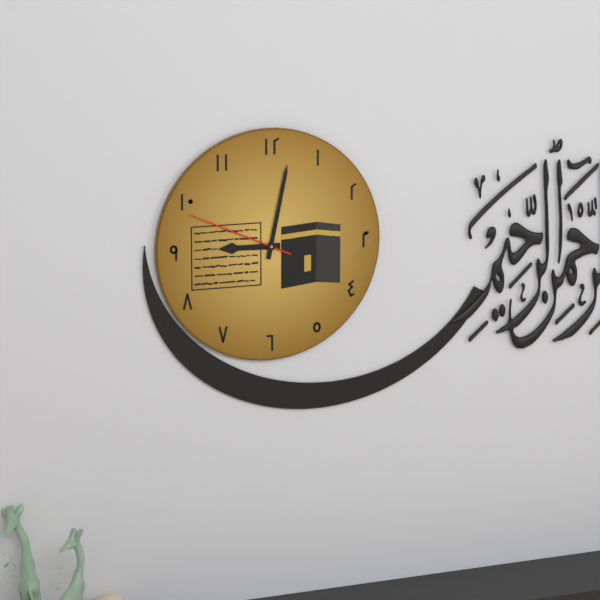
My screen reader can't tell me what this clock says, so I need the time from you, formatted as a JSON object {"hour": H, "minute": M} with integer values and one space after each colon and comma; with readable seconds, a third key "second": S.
{"hour": 9, "minute": 2, "second": 49}
